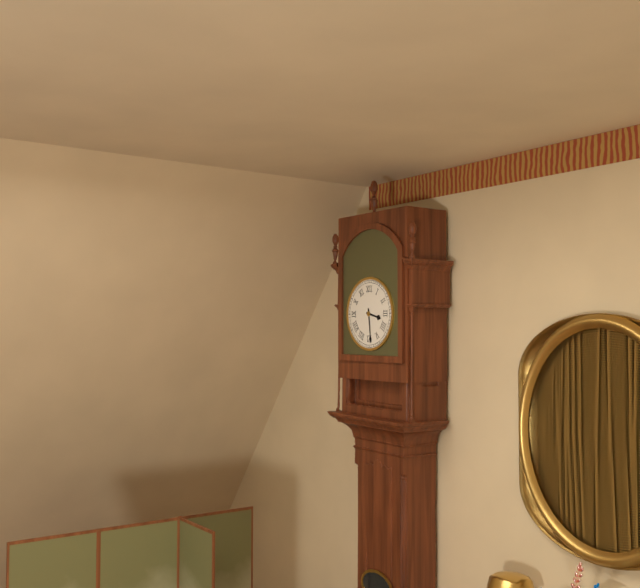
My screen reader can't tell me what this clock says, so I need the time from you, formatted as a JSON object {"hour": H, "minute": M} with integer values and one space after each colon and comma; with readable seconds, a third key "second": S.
{"hour": 3, "minute": 29}
